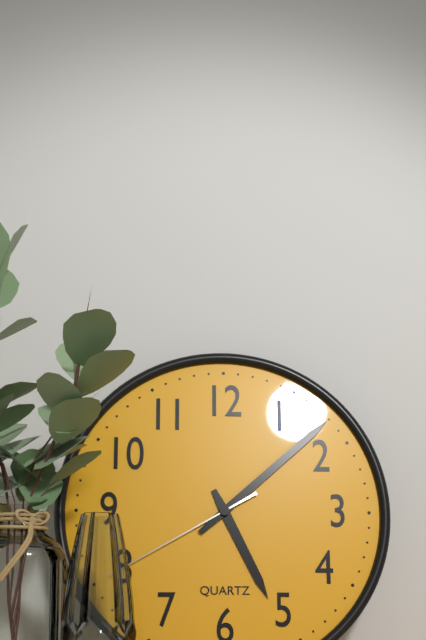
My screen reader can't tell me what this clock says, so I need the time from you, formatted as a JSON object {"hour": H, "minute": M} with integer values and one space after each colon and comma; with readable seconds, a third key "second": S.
{"hour": 5, "minute": 8, "second": 40}
